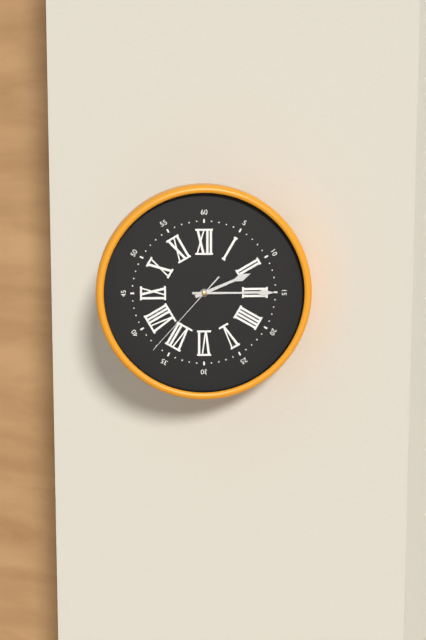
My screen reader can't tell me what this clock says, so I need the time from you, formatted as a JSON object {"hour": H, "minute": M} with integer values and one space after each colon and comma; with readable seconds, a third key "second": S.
{"hour": 2, "minute": 15, "second": 37}
